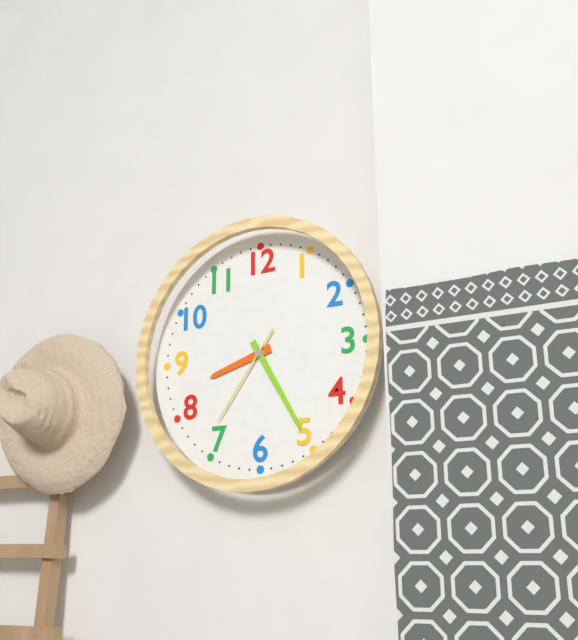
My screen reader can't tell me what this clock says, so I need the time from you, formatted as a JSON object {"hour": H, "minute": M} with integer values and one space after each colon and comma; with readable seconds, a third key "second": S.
{"hour": 8, "minute": 25, "second": 36}
